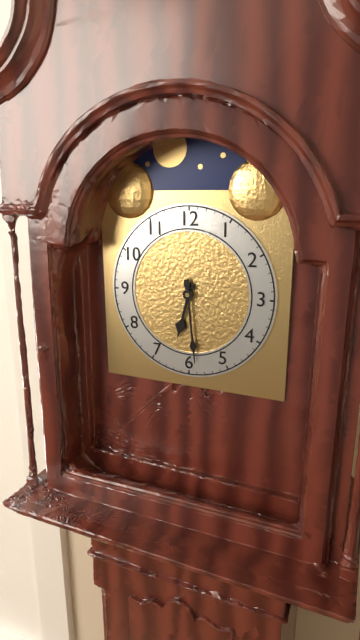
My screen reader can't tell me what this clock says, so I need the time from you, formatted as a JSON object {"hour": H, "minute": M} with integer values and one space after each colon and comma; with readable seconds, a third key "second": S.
{"hour": 6, "minute": 29}
